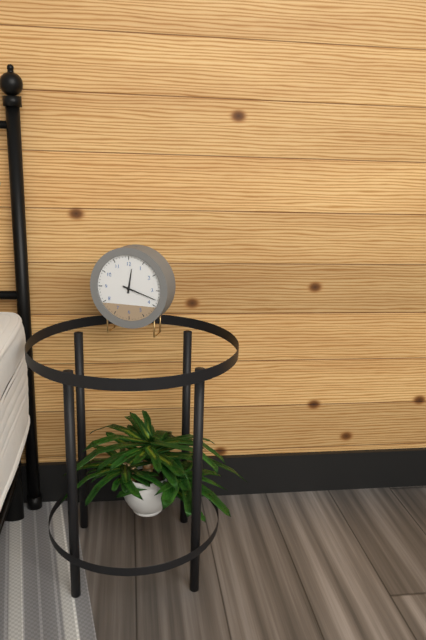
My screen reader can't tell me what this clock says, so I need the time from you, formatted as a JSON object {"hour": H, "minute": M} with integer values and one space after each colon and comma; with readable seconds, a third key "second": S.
{"hour": 12, "minute": 18}
